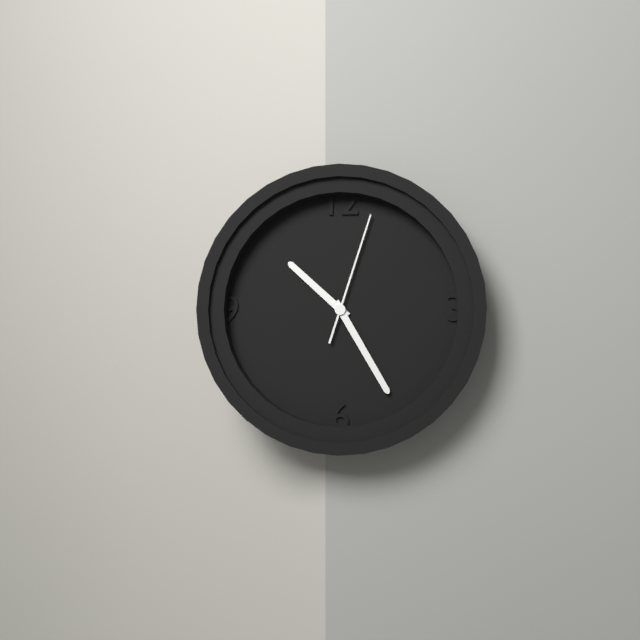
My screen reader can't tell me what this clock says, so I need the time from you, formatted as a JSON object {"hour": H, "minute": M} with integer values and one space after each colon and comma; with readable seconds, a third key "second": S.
{"hour": 10, "minute": 25, "second": 3}
